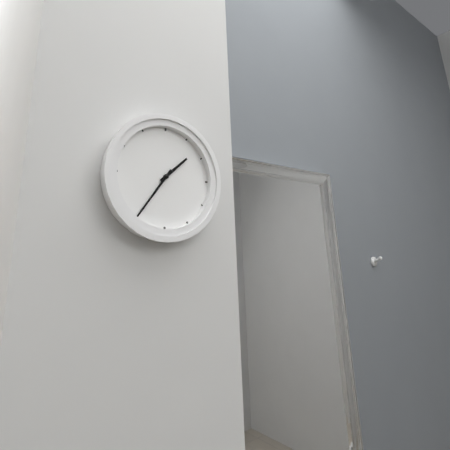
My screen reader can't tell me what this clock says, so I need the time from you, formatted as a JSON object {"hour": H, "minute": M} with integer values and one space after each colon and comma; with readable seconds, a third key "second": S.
{"hour": 1, "minute": 36}
